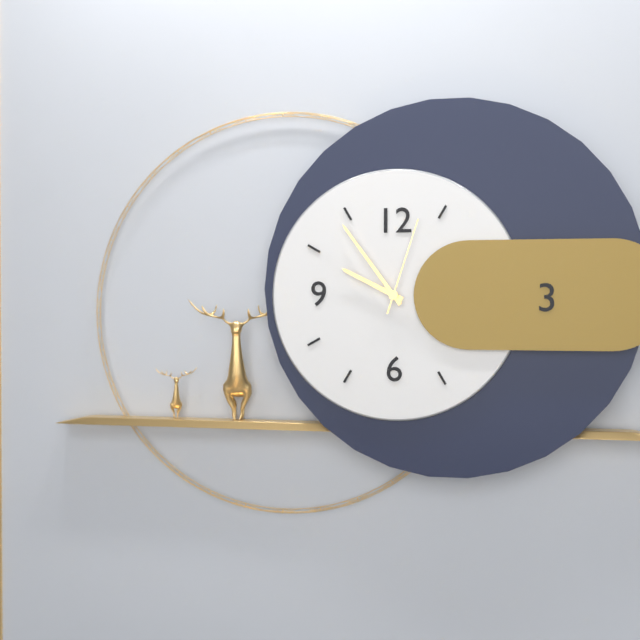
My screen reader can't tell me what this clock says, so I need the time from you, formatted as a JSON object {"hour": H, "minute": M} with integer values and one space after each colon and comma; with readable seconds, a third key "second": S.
{"hour": 9, "minute": 54, "second": 3}
